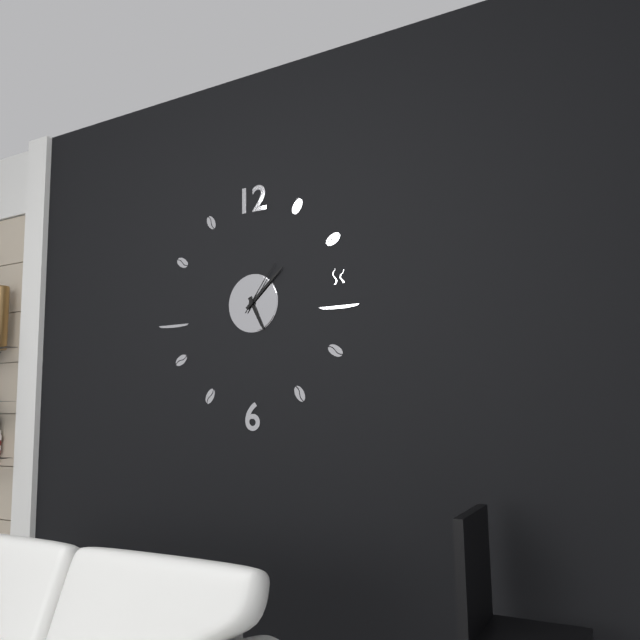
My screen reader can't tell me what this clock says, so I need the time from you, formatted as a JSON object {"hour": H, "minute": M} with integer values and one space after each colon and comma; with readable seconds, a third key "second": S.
{"hour": 5, "minute": 8, "second": 6}
